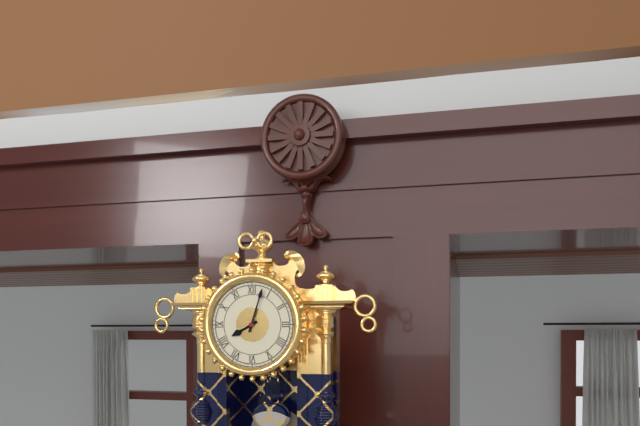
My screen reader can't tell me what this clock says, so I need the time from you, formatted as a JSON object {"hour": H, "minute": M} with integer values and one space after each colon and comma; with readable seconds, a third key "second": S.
{"hour": 8, "minute": 3}
